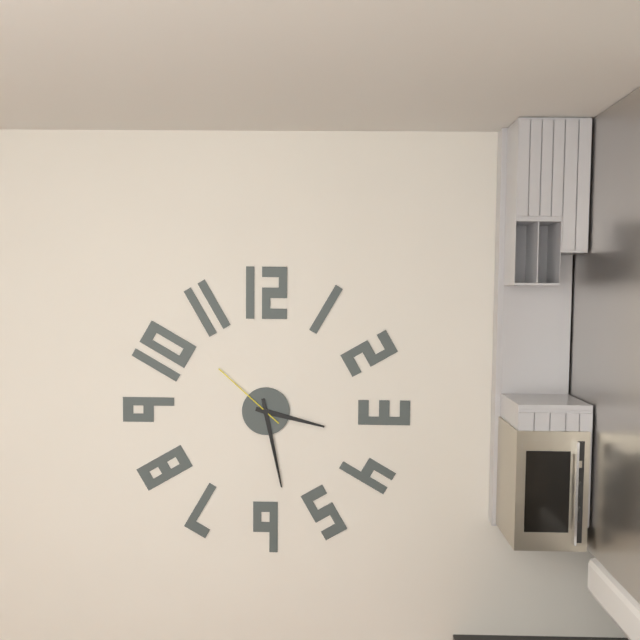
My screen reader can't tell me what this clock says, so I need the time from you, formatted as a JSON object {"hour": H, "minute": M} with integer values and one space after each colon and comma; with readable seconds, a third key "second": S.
{"hour": 3, "minute": 28, "second": 52}
